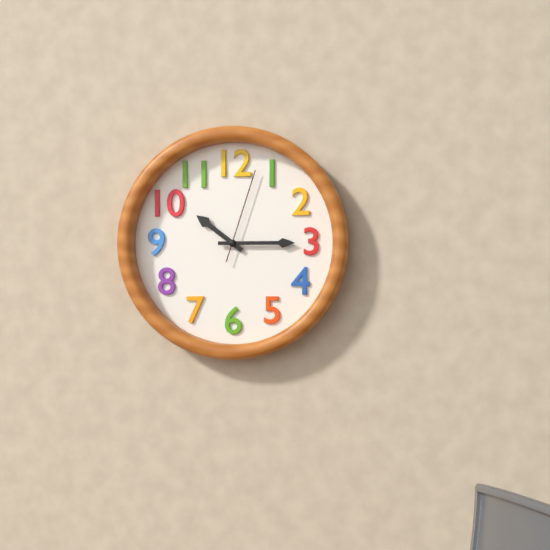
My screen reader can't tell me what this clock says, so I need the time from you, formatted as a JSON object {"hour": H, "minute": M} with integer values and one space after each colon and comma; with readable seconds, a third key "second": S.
{"hour": 10, "minute": 15, "second": 3}
